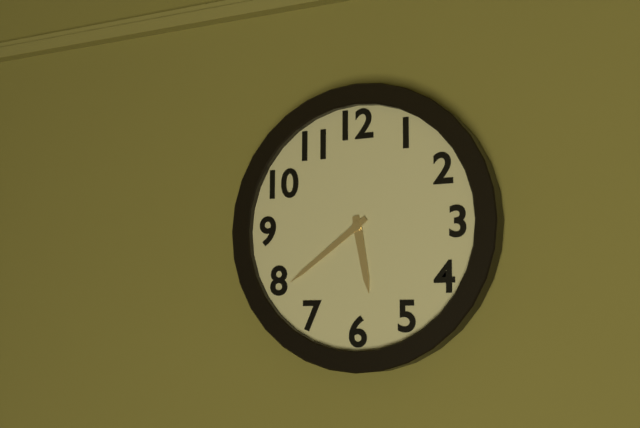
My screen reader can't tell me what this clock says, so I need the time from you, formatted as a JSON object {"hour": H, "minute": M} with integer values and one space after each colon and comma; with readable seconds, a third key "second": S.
{"hour": 5, "minute": 39}
